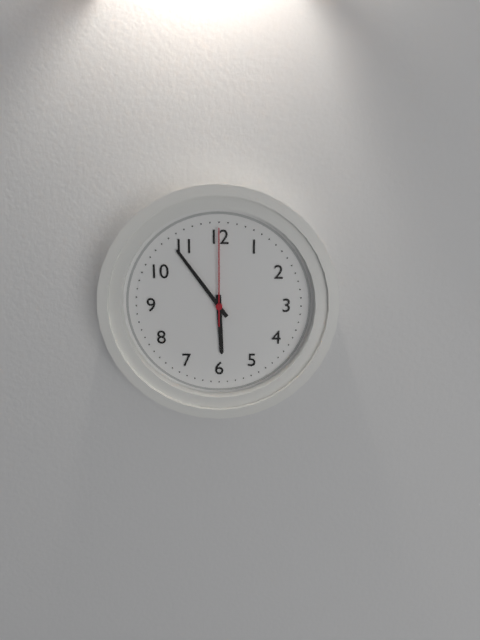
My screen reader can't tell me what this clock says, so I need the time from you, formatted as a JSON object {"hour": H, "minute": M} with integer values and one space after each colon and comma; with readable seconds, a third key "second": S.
{"hour": 5, "minute": 54, "second": 0}
